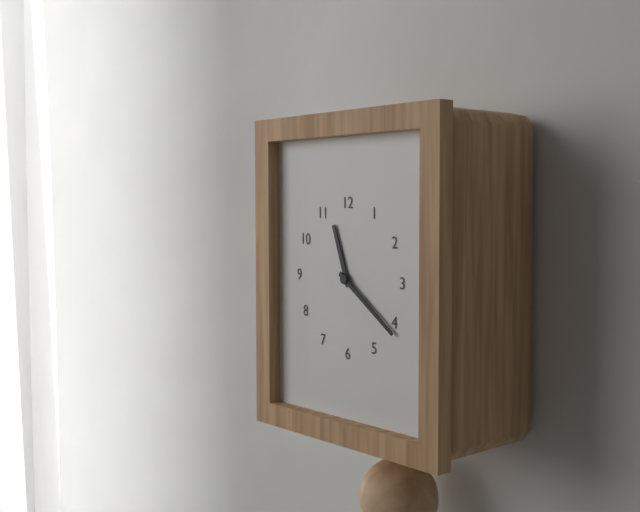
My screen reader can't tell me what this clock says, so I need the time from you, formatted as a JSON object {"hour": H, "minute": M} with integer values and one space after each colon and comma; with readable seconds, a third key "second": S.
{"hour": 11, "minute": 21}
